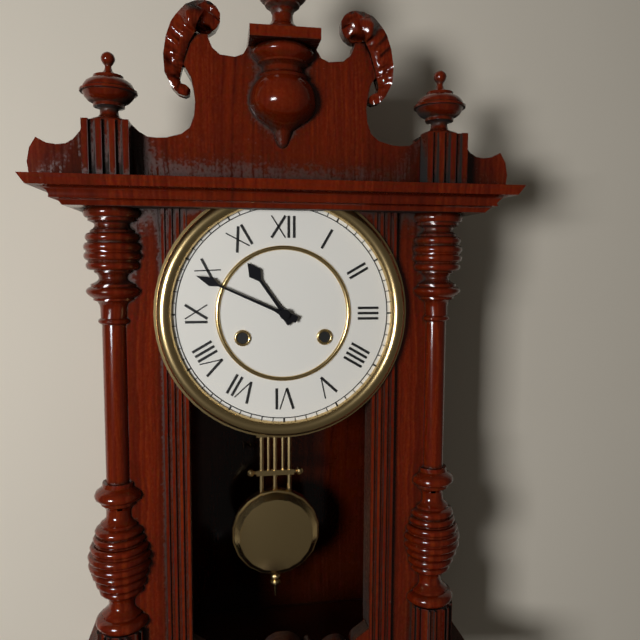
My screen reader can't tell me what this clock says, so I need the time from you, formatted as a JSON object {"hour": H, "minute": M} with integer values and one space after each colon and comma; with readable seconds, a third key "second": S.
{"hour": 10, "minute": 49}
